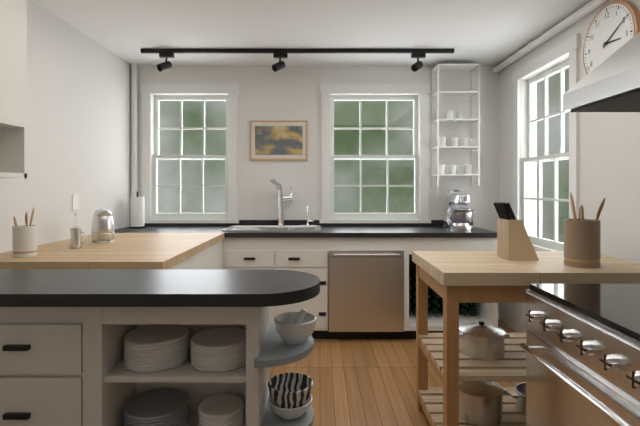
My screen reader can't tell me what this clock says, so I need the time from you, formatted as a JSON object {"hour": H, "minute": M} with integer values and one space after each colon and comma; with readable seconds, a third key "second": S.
{"hour": 3, "minute": 10}
